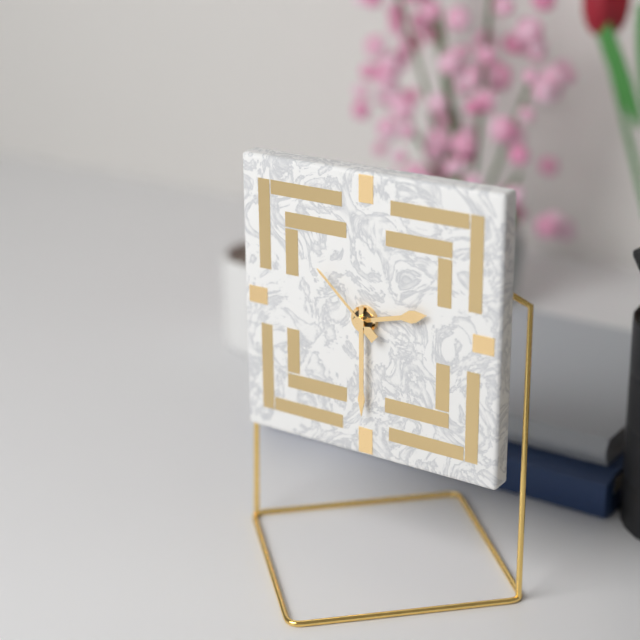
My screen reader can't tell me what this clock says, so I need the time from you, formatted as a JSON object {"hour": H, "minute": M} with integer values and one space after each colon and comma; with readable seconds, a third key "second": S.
{"hour": 2, "minute": 30, "second": 52}
